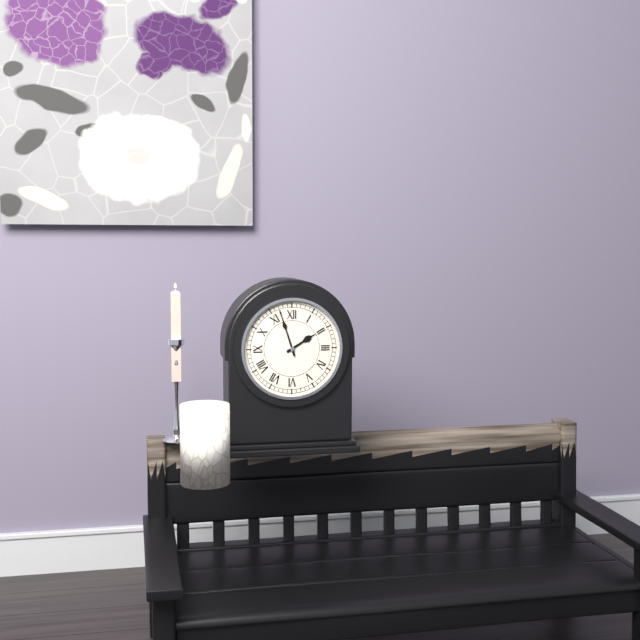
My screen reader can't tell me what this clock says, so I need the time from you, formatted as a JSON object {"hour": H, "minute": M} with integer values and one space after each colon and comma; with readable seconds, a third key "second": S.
{"hour": 1, "minute": 57}
